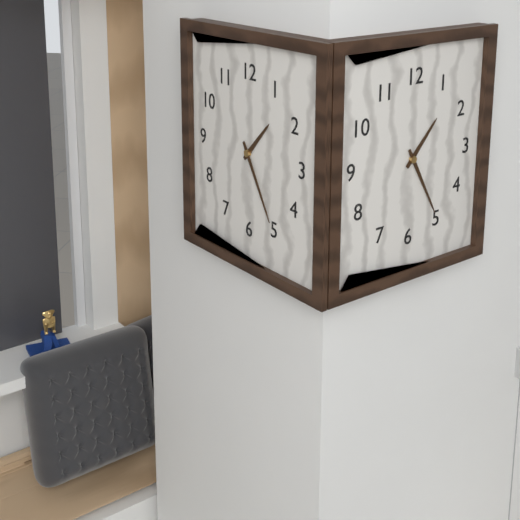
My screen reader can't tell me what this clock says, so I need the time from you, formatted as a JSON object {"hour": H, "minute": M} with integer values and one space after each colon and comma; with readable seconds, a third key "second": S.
{"hour": 1, "minute": 25}
